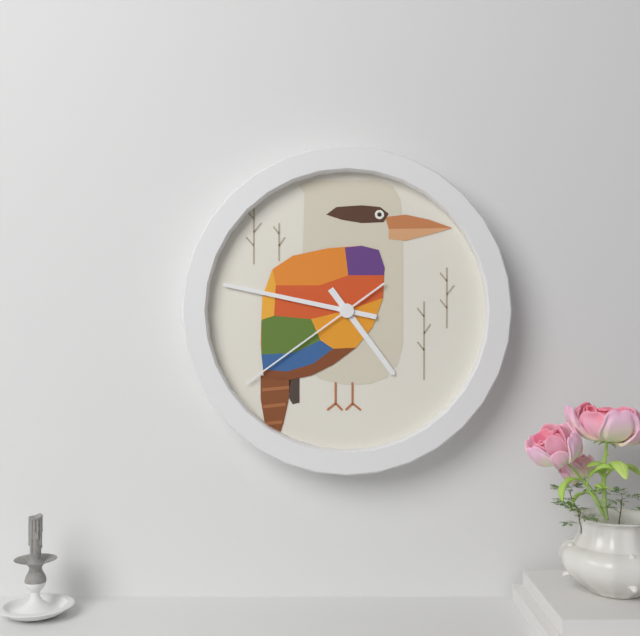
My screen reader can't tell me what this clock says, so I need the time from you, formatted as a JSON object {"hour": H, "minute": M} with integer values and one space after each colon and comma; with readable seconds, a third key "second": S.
{"hour": 4, "minute": 47, "second": 39}
